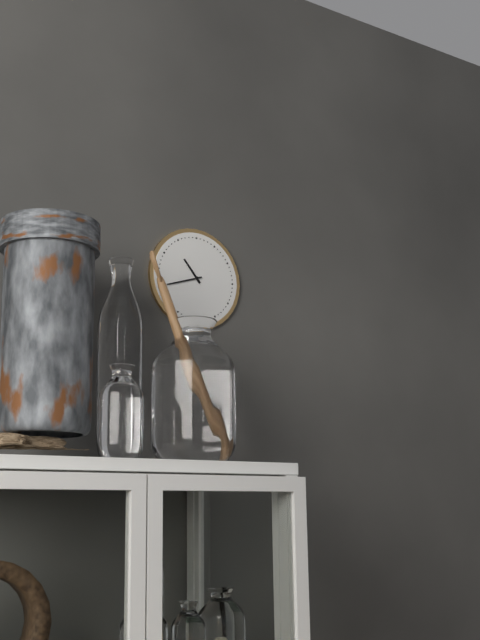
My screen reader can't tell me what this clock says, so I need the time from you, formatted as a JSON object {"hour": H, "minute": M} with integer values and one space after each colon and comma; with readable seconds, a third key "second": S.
{"hour": 10, "minute": 42}
